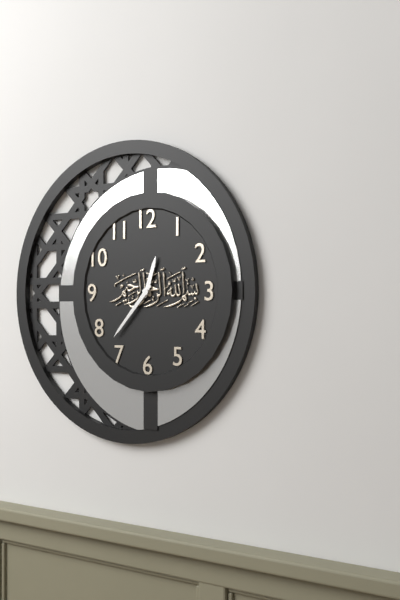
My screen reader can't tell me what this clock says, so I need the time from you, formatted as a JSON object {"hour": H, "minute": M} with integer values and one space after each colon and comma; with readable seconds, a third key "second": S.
{"hour": 12, "minute": 37}
